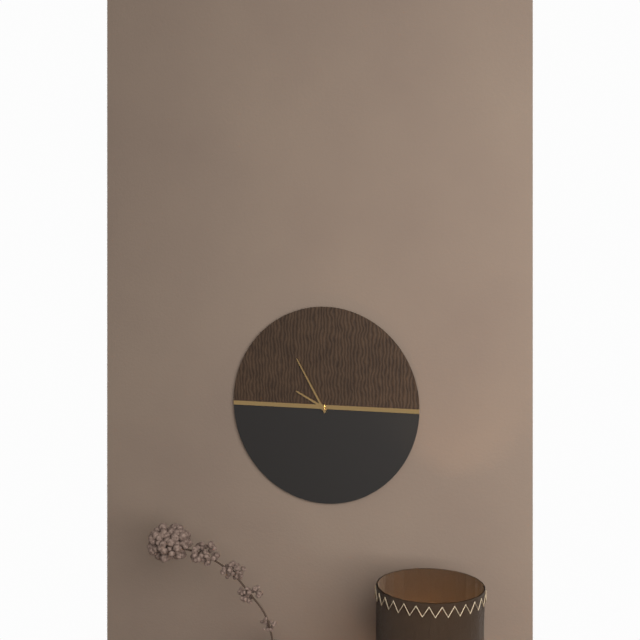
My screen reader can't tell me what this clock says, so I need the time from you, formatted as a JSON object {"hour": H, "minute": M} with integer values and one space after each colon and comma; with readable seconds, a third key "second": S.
{"hour": 9, "minute": 55}
